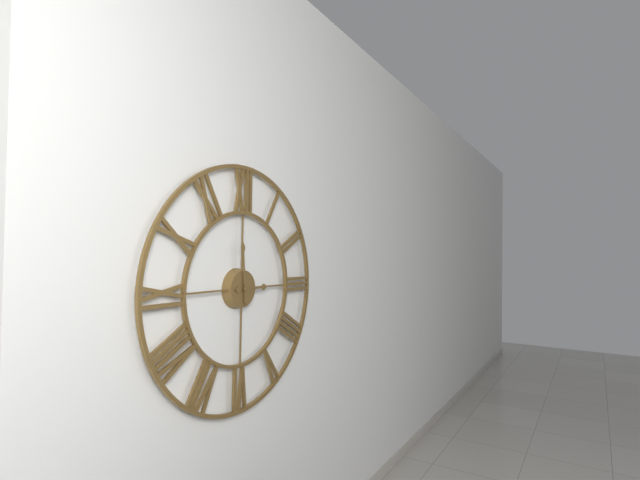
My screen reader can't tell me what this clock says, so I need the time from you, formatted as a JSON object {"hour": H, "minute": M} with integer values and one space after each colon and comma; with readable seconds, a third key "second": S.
{"hour": 2, "minute": 59}
